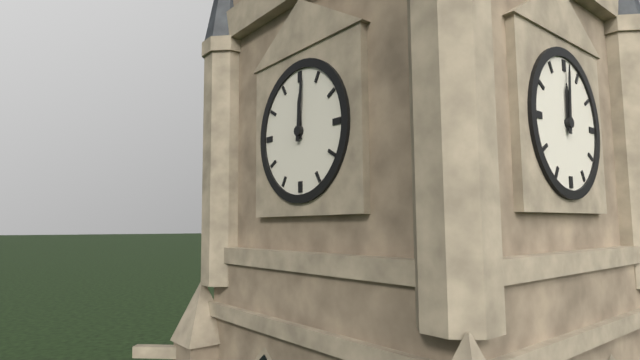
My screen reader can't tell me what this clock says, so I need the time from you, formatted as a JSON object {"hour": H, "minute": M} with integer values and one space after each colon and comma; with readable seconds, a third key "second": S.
{"hour": 12, "minute": 1}
